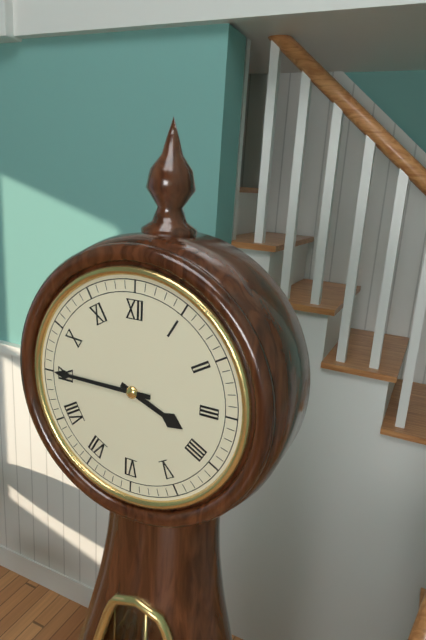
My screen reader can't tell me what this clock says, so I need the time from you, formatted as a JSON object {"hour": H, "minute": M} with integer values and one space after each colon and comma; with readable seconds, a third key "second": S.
{"hour": 3, "minute": 45}
